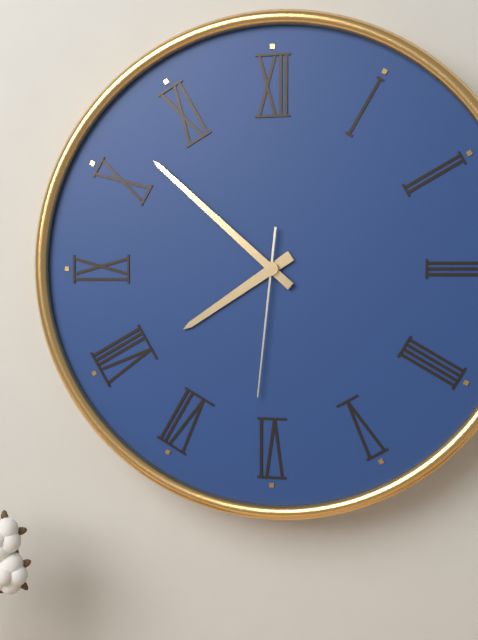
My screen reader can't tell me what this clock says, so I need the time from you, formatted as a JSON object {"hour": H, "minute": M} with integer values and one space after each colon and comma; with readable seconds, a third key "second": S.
{"hour": 7, "minute": 52, "second": 31}
